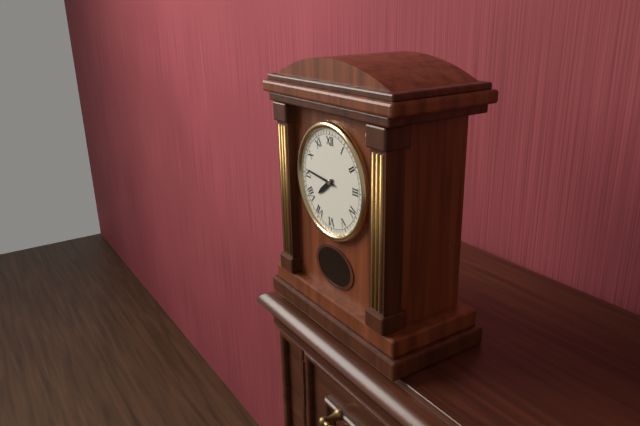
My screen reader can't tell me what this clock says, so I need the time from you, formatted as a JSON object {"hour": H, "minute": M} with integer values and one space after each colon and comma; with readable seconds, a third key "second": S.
{"hour": 7, "minute": 46}
